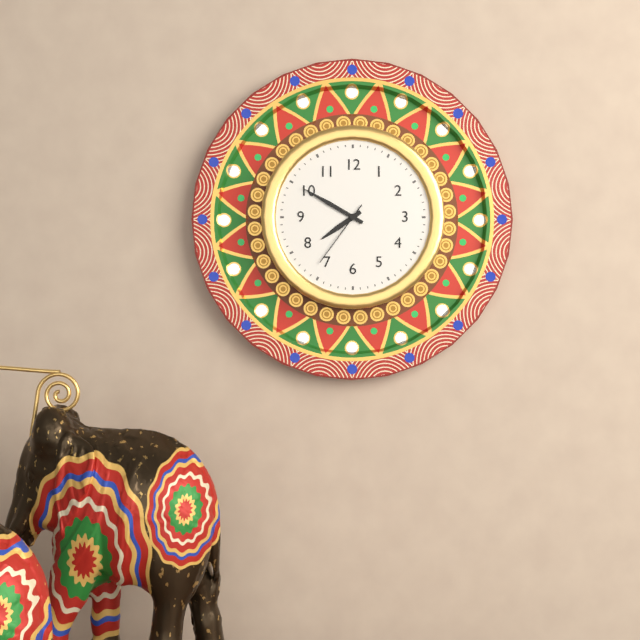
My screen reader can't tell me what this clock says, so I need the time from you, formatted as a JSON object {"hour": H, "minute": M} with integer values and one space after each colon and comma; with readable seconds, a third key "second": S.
{"hour": 7, "minute": 50, "second": 36}
